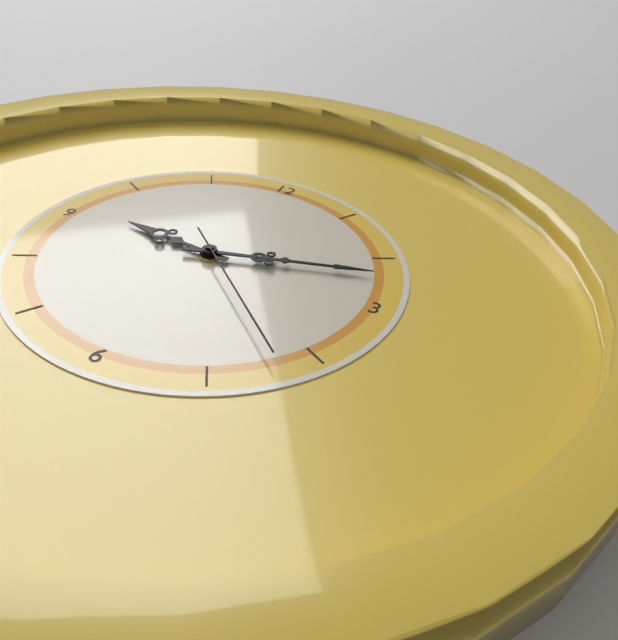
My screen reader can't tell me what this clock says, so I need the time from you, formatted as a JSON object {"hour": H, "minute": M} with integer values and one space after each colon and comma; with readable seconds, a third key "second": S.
{"hour": 9, "minute": 12, "second": 22}
